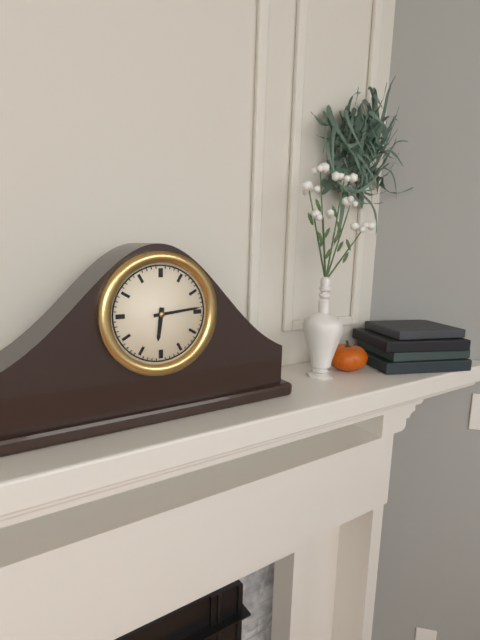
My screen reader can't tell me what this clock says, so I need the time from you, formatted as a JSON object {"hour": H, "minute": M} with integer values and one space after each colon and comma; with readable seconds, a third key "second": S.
{"hour": 6, "minute": 14}
